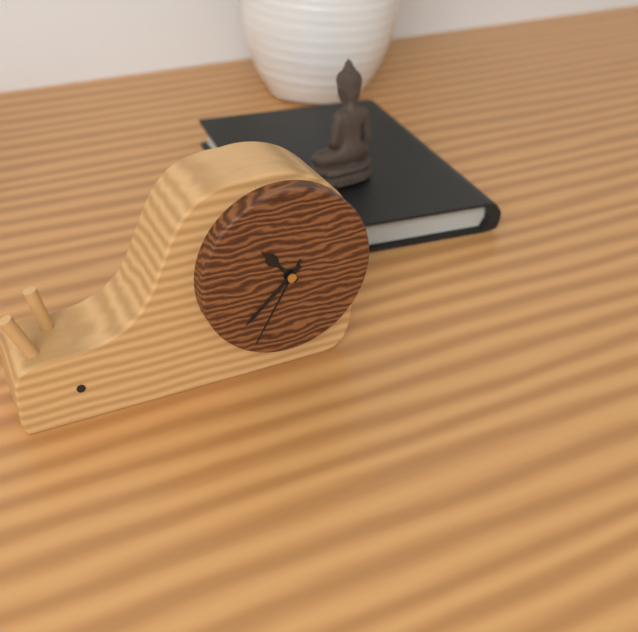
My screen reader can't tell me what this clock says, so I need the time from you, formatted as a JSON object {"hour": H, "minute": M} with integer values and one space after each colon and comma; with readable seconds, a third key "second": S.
{"hour": 10, "minute": 38, "second": 35}
